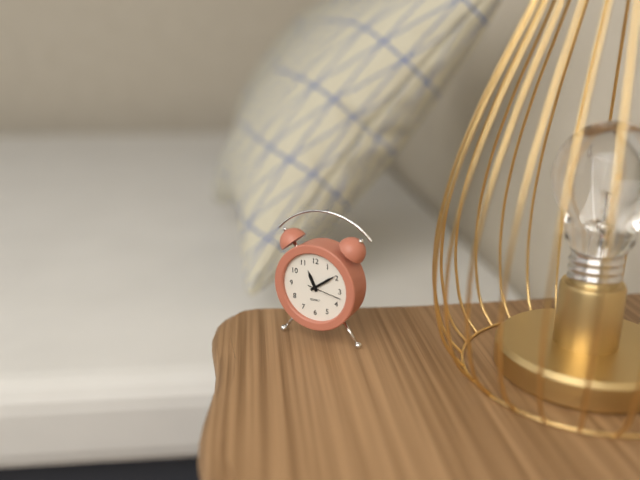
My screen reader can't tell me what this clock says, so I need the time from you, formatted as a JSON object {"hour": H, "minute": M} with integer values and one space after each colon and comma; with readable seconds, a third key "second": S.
{"hour": 11, "minute": 9}
